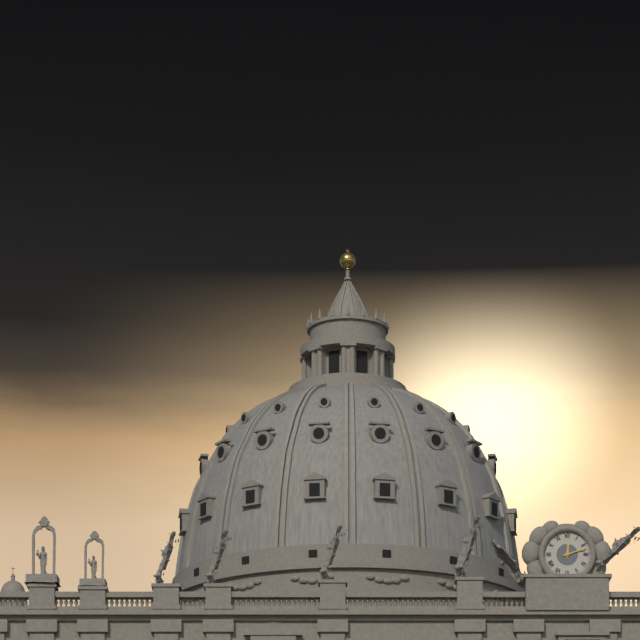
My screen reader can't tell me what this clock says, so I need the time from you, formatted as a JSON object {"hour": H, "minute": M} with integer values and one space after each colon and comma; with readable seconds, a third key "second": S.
{"hour": 12, "minute": 12}
